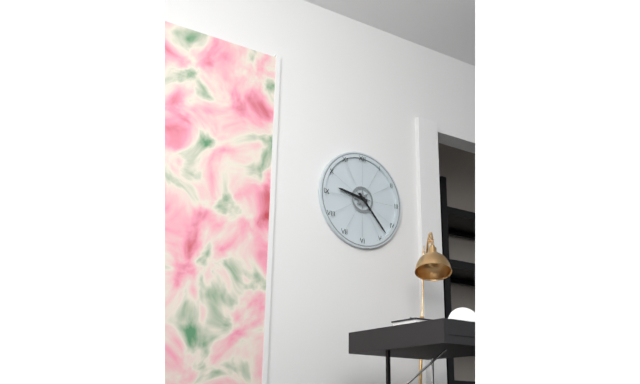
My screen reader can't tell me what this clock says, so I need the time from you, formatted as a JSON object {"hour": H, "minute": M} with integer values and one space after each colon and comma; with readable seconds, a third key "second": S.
{"hour": 9, "minute": 23}
